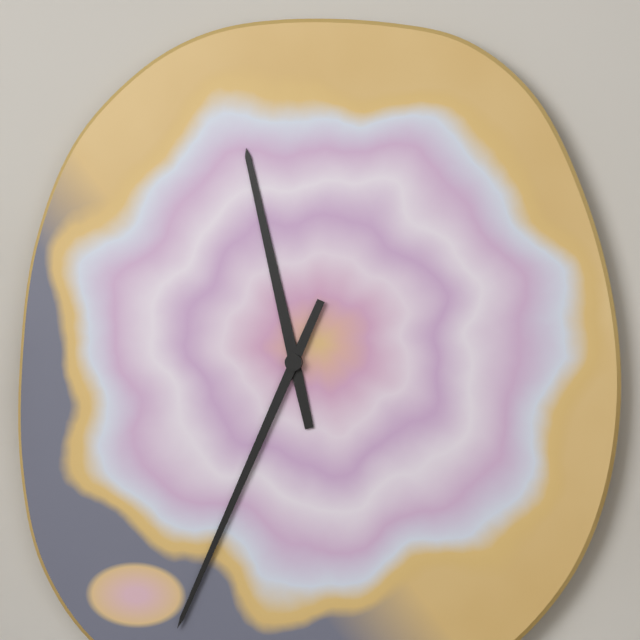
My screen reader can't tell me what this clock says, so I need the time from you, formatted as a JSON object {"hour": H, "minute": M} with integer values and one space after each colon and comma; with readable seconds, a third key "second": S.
{"hour": 11, "minute": 34}
